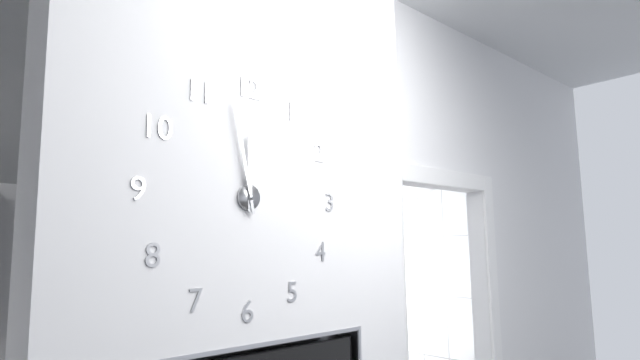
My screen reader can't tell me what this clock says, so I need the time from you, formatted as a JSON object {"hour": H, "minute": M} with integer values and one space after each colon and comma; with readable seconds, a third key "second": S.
{"hour": 11, "minute": 58}
